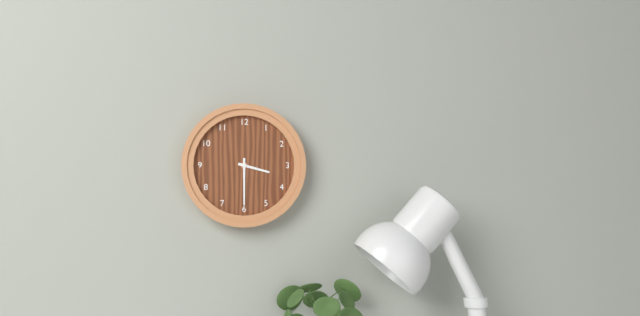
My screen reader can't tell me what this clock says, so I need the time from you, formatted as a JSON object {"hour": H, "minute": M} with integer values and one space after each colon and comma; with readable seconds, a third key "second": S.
{"hour": 3, "minute": 30}
